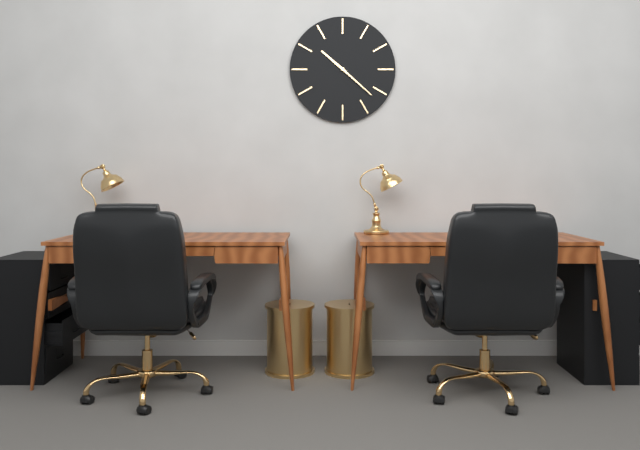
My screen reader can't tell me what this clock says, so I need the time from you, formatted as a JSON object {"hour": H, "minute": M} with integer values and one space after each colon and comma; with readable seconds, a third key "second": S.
{"hour": 10, "minute": 22}
